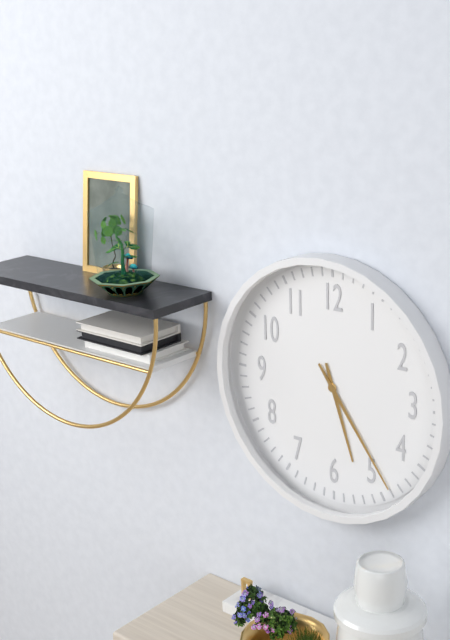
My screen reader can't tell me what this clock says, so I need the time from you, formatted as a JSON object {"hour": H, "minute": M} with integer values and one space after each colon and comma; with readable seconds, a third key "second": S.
{"hour": 5, "minute": 24}
